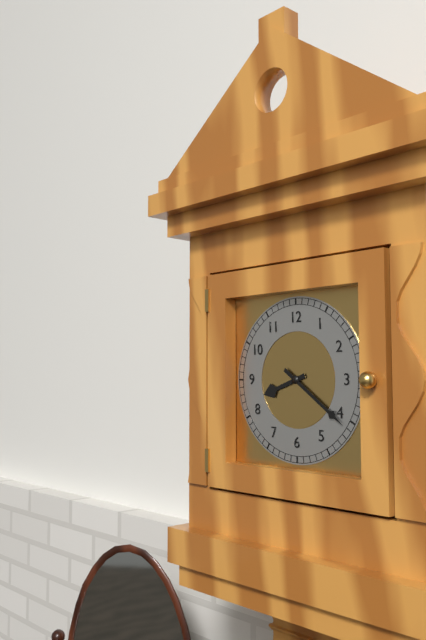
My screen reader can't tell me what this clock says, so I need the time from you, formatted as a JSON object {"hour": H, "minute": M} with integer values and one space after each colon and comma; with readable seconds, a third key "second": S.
{"hour": 8, "minute": 21}
